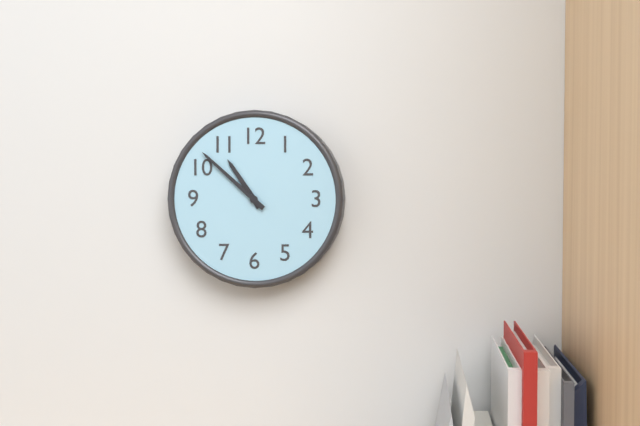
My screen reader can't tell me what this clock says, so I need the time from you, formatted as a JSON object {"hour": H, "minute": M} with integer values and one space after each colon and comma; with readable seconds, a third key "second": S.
{"hour": 10, "minute": 52}
